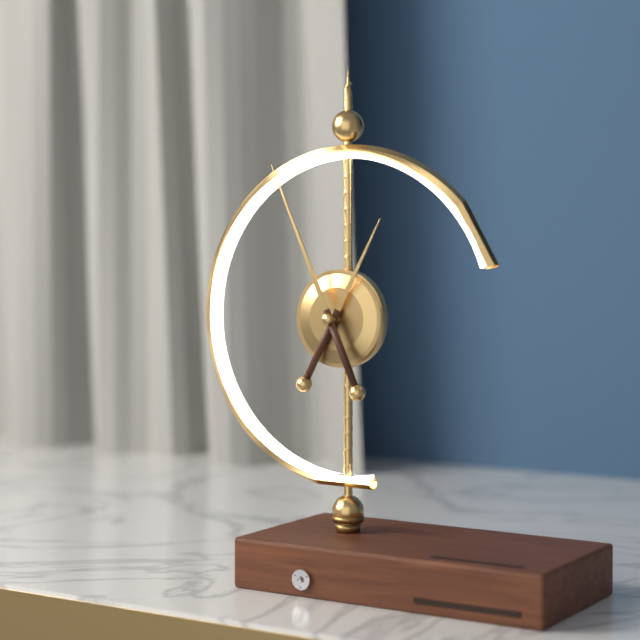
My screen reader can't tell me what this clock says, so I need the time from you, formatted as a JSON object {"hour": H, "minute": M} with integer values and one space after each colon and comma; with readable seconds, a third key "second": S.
{"hour": 12, "minute": 56}
